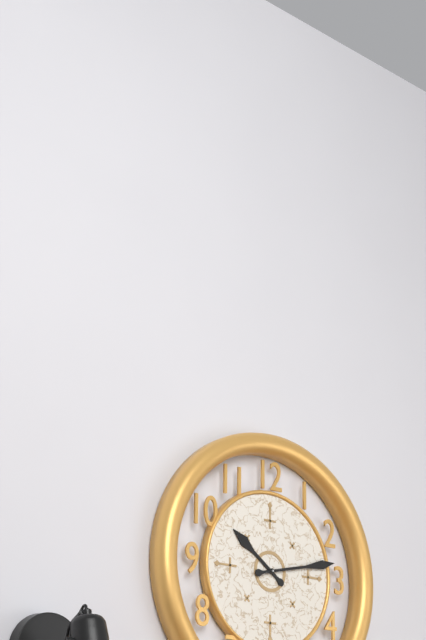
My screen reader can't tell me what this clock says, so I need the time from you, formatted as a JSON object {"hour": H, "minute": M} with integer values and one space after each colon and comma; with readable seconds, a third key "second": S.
{"hour": 10, "minute": 13}
